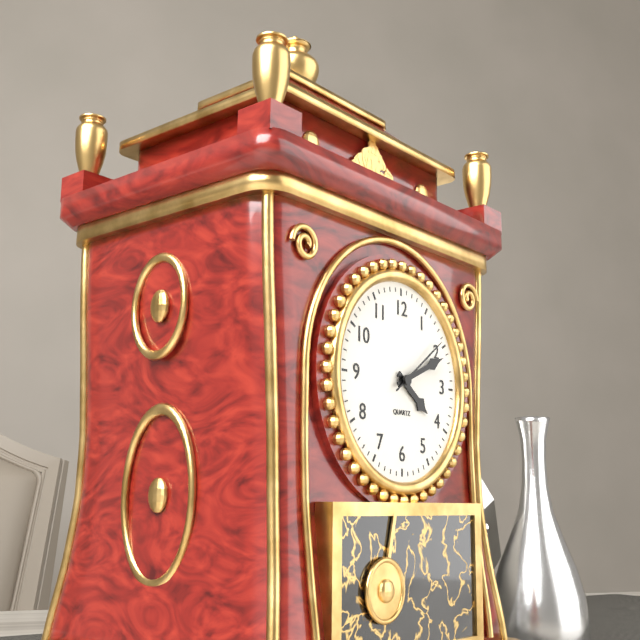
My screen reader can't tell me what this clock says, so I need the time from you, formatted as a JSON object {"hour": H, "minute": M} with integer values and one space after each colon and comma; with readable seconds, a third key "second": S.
{"hour": 4, "minute": 11, "second": 9}
